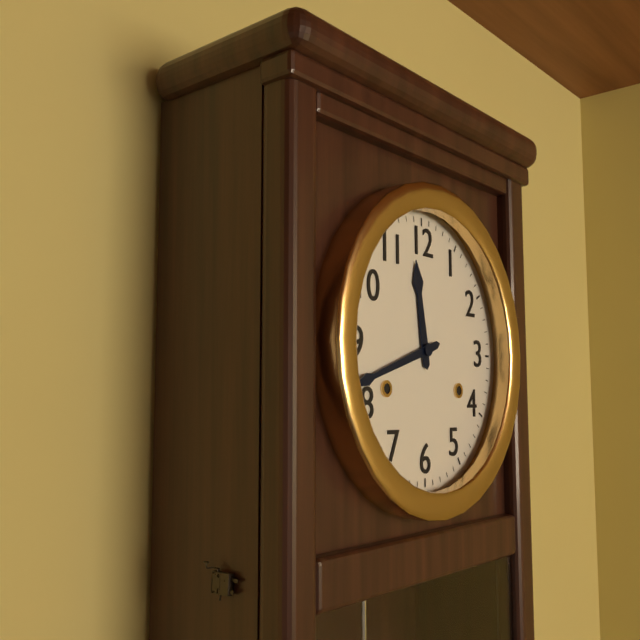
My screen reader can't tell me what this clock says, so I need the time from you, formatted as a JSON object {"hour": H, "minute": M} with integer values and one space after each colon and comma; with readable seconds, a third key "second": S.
{"hour": 11, "minute": 42}
